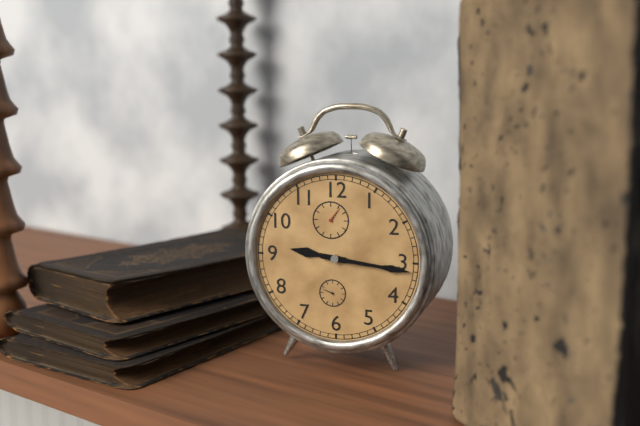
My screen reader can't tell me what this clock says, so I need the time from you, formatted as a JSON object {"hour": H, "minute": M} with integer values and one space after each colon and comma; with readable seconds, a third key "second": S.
{"hour": 9, "minute": 16}
